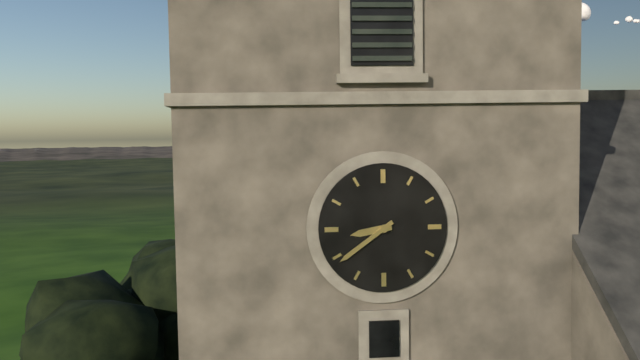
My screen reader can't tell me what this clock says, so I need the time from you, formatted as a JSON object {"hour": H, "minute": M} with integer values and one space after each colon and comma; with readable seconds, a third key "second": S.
{"hour": 8, "minute": 39}
